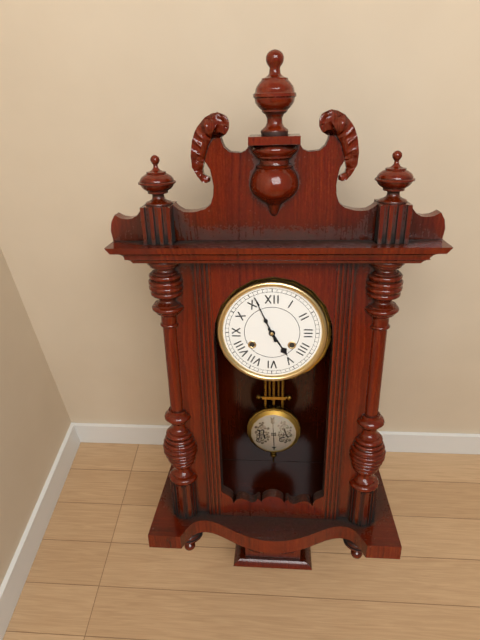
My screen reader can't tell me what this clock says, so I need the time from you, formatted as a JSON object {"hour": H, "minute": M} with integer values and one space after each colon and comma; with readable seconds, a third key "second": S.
{"hour": 4, "minute": 56}
